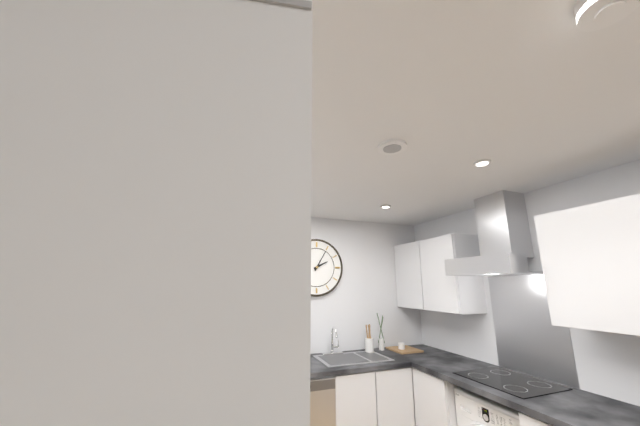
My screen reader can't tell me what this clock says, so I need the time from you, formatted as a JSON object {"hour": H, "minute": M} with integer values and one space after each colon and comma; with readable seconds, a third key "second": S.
{"hour": 2, "minute": 5}
